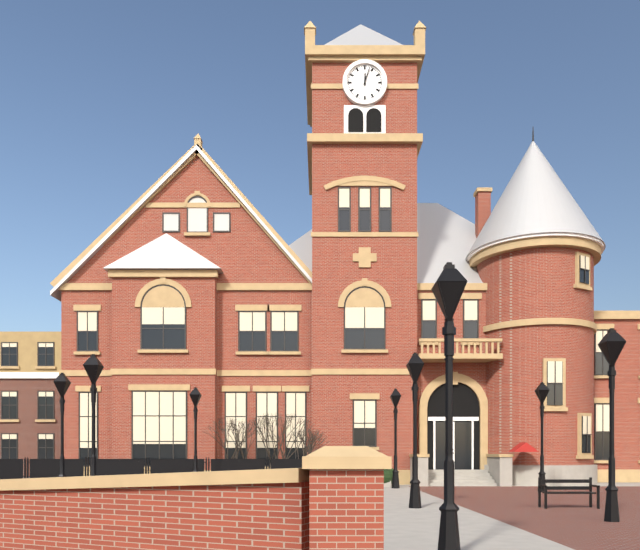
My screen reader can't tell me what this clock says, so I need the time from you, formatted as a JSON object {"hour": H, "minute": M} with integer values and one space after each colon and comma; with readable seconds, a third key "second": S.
{"hour": 12, "minute": 3}
